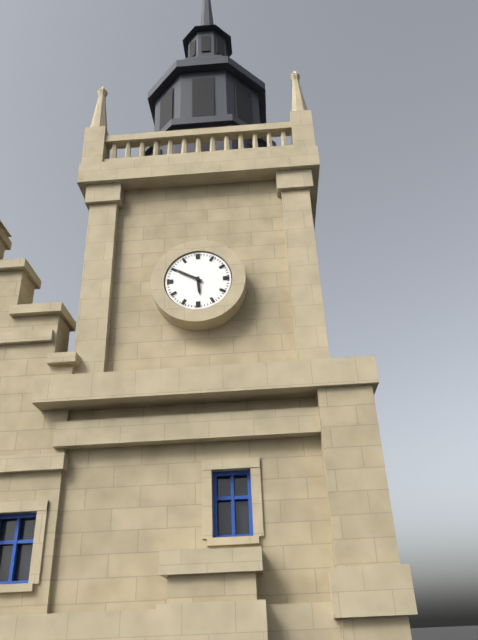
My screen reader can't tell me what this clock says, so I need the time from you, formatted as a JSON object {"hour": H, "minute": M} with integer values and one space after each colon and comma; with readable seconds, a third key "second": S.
{"hour": 5, "minute": 50}
